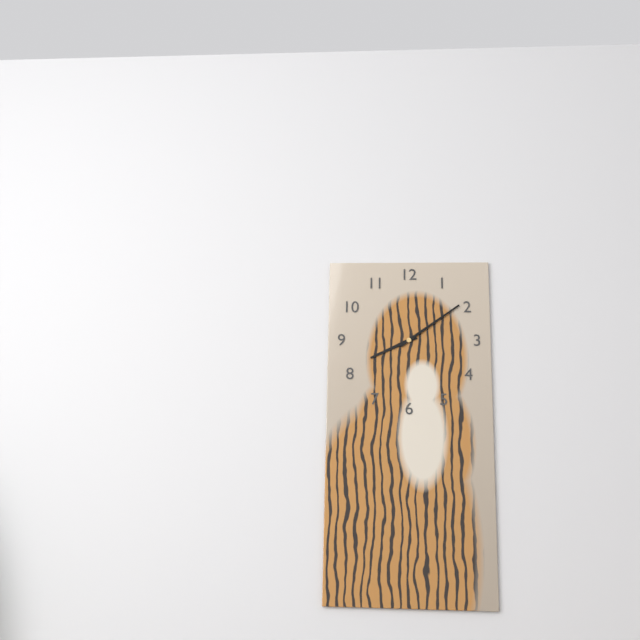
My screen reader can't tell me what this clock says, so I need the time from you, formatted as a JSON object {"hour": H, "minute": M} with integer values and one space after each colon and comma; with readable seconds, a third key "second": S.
{"hour": 8, "minute": 9}
